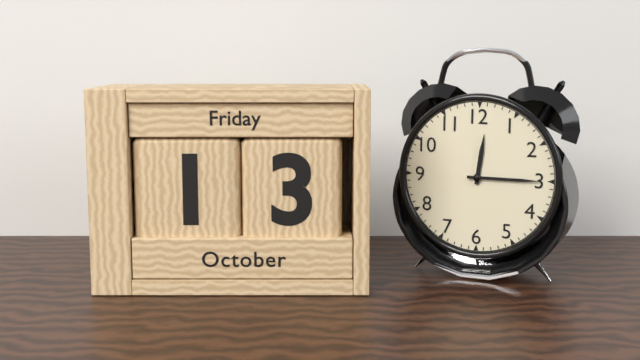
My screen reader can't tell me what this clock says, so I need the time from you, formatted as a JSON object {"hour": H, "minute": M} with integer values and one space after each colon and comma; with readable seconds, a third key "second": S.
{"hour": 12, "minute": 15}
